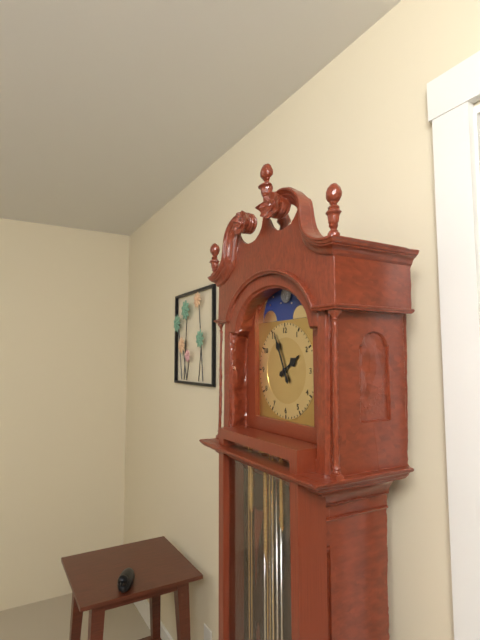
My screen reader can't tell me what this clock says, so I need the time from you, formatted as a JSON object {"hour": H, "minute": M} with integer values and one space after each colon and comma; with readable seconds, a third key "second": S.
{"hour": 1, "minute": 56}
